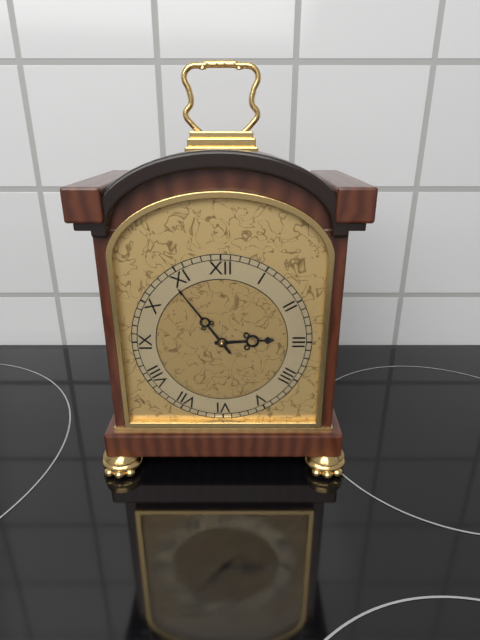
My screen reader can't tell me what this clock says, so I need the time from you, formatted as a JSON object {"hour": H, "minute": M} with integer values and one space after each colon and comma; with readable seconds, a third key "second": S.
{"hour": 2, "minute": 54}
